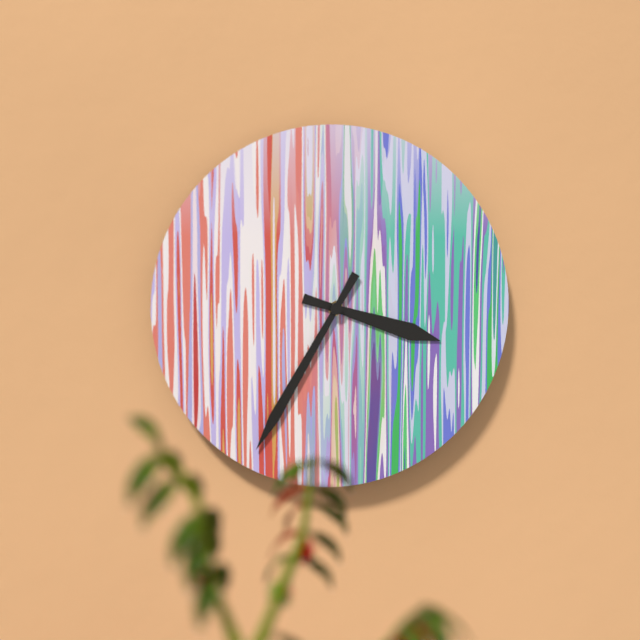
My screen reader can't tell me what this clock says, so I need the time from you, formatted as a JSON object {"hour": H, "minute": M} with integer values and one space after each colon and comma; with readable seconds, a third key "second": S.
{"hour": 3, "minute": 35}
